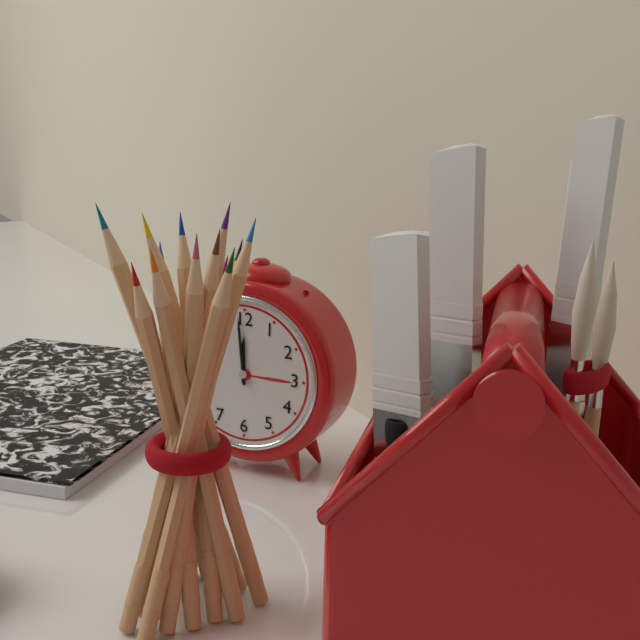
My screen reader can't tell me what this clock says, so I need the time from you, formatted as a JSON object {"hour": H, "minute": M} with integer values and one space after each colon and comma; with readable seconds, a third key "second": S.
{"hour": 11, "minute": 59}
